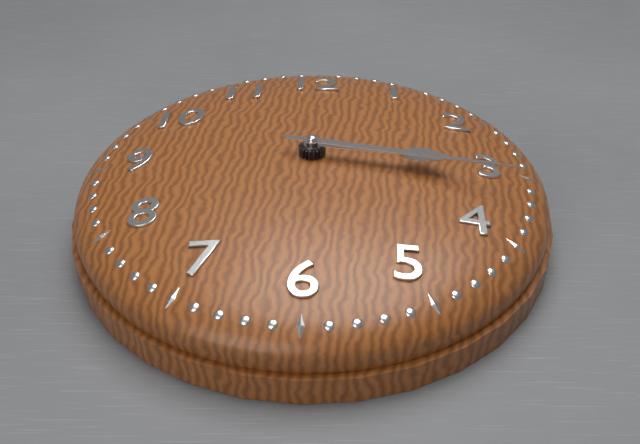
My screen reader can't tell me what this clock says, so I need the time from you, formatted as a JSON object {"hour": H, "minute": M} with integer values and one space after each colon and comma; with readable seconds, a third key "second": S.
{"hour": 3, "minute": 17}
